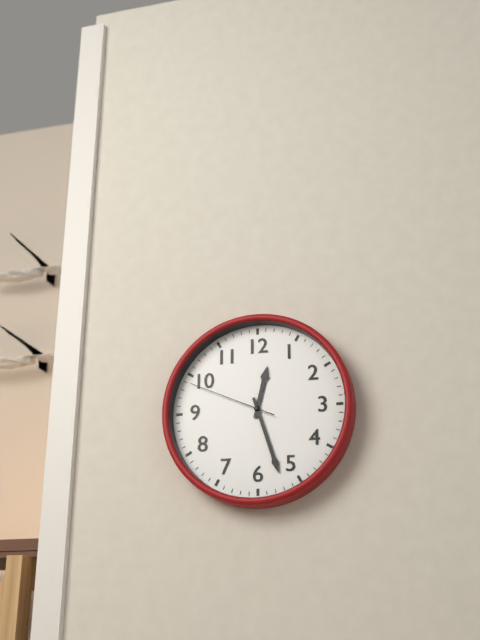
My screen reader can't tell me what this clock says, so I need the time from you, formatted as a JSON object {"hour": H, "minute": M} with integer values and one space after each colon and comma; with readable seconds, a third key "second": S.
{"hour": 12, "minute": 27, "second": 49}
